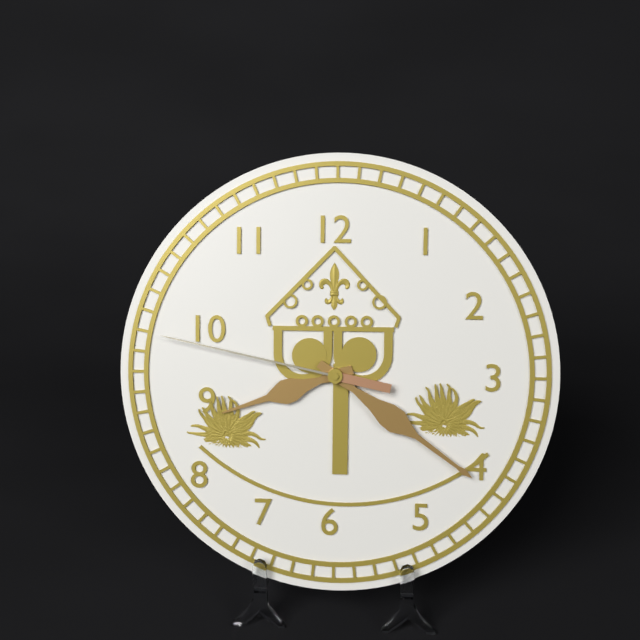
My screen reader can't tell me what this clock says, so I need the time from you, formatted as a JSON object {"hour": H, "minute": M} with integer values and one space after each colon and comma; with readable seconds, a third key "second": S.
{"hour": 8, "minute": 21, "second": 47}
